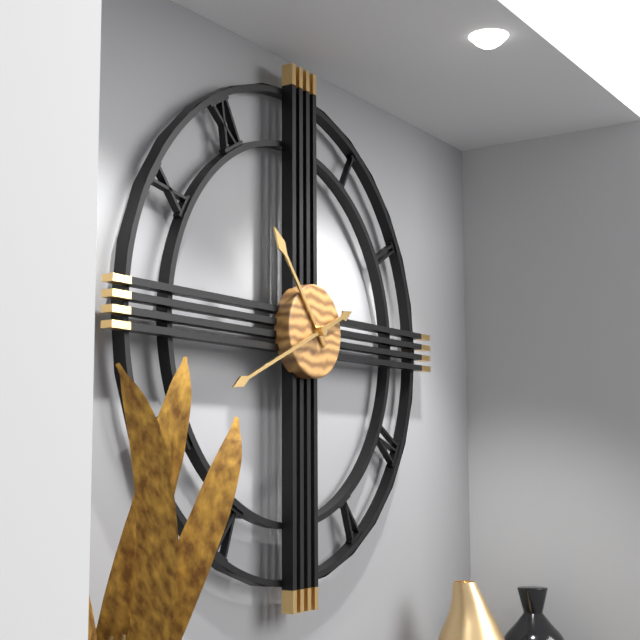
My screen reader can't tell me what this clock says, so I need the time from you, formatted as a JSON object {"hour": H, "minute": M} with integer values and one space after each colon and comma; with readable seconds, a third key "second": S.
{"hour": 10, "minute": 41}
